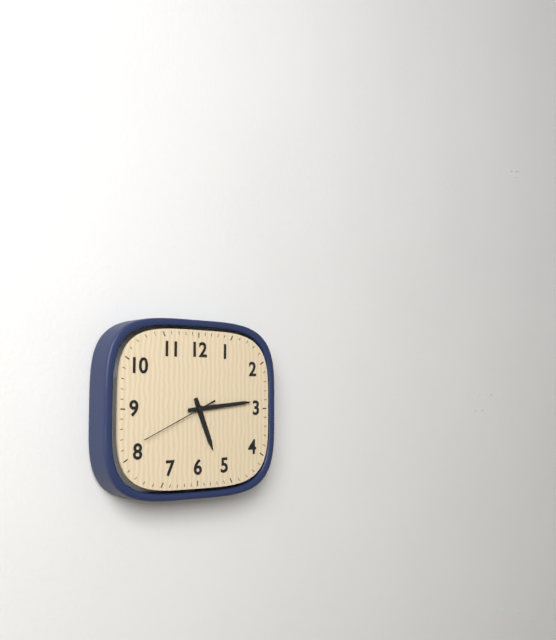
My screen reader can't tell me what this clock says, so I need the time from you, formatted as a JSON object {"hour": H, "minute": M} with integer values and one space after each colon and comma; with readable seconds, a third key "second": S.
{"hour": 5, "minute": 14, "second": 41}
